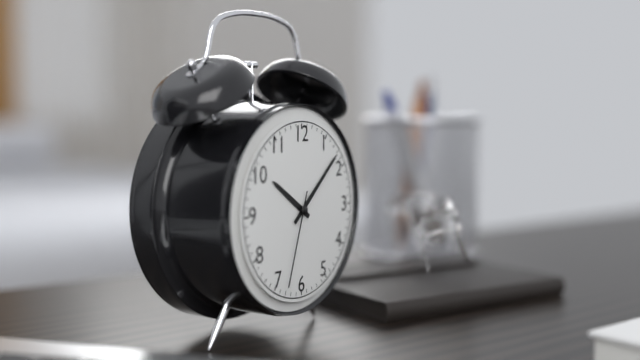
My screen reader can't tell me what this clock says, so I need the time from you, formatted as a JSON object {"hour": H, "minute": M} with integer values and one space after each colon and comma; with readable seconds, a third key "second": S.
{"hour": 10, "minute": 8, "second": 33}
